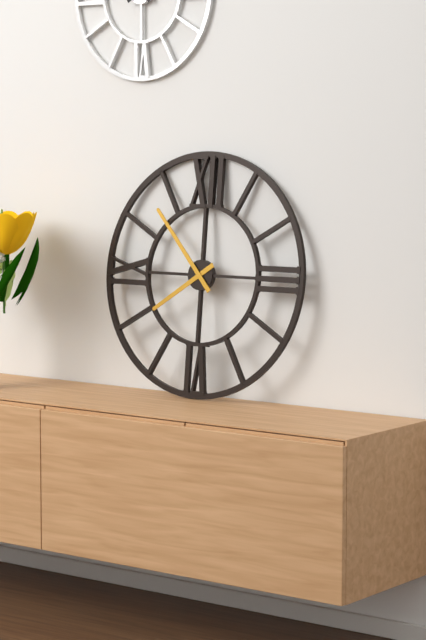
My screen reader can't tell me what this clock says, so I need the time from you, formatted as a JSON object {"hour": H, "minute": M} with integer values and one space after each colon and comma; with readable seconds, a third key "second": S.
{"hour": 7, "minute": 53}
